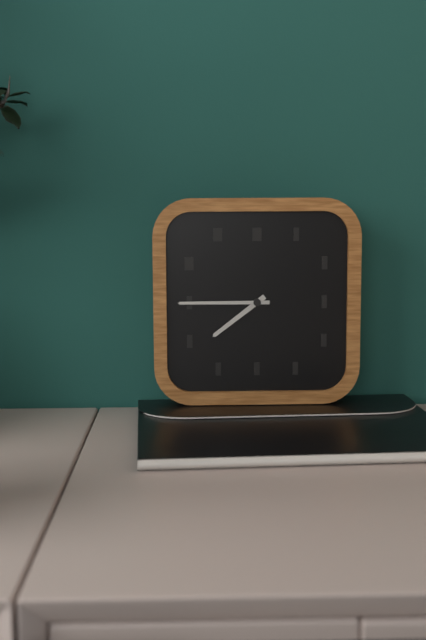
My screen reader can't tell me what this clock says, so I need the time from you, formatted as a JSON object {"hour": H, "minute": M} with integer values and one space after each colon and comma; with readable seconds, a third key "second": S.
{"hour": 7, "minute": 45}
